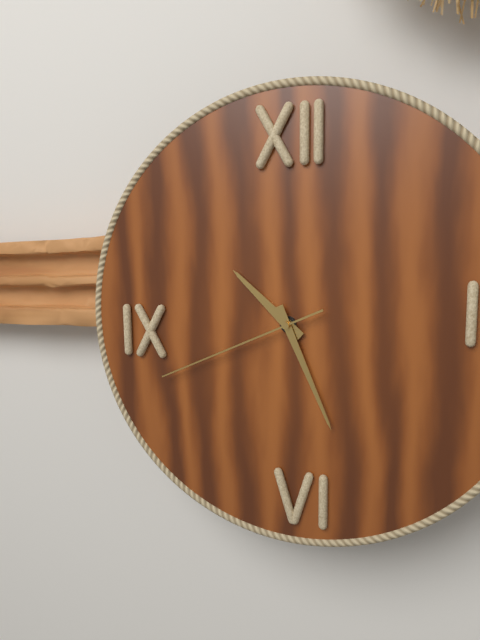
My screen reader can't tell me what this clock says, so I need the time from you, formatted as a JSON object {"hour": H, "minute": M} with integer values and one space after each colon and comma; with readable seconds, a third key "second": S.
{"hour": 10, "minute": 26, "second": 41}
